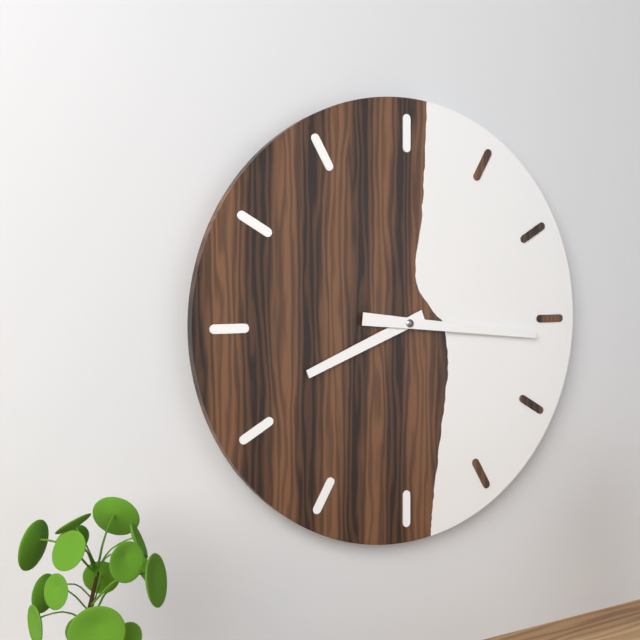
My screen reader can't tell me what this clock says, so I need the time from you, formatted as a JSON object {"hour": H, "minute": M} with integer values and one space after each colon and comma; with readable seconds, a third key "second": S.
{"hour": 8, "minute": 16}
